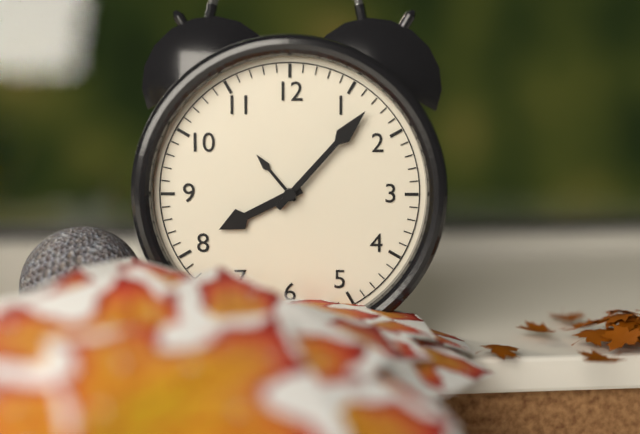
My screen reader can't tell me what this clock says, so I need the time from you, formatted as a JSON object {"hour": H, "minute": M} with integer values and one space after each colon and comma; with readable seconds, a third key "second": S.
{"hour": 8, "minute": 7}
